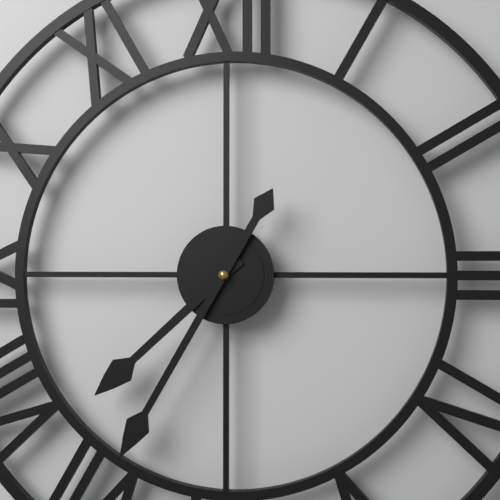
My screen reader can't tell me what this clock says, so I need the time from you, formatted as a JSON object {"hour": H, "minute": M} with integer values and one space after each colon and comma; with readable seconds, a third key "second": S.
{"hour": 7, "minute": 35}
